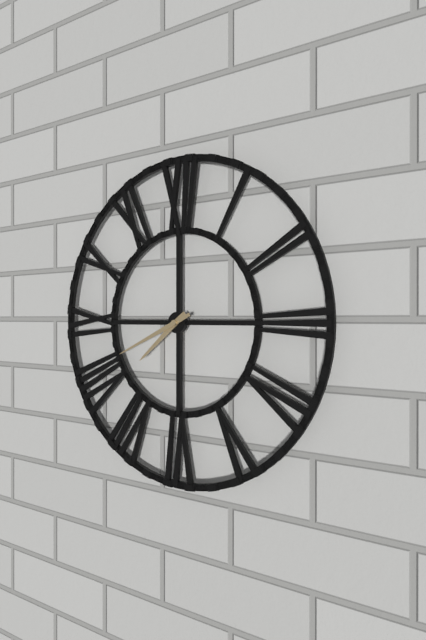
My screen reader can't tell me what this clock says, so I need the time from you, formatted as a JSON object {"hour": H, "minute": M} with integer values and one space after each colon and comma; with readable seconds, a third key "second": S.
{"hour": 7, "minute": 41}
